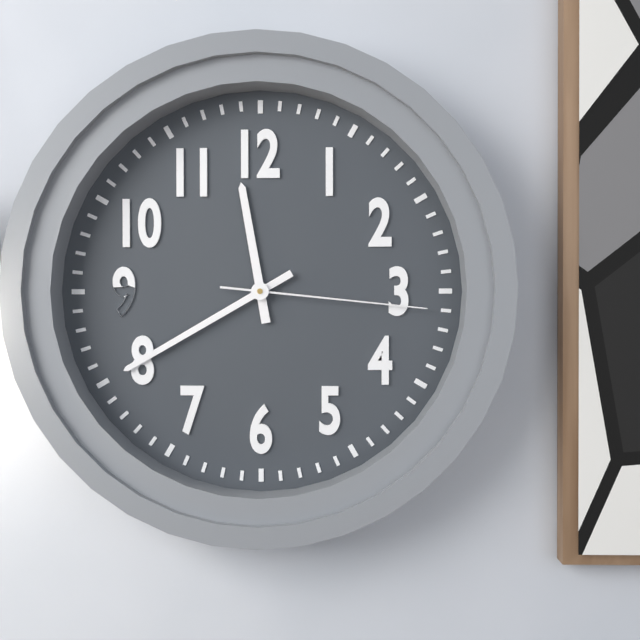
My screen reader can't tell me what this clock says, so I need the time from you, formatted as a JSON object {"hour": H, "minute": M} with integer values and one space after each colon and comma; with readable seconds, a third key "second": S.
{"hour": 11, "minute": 40, "second": 16}
